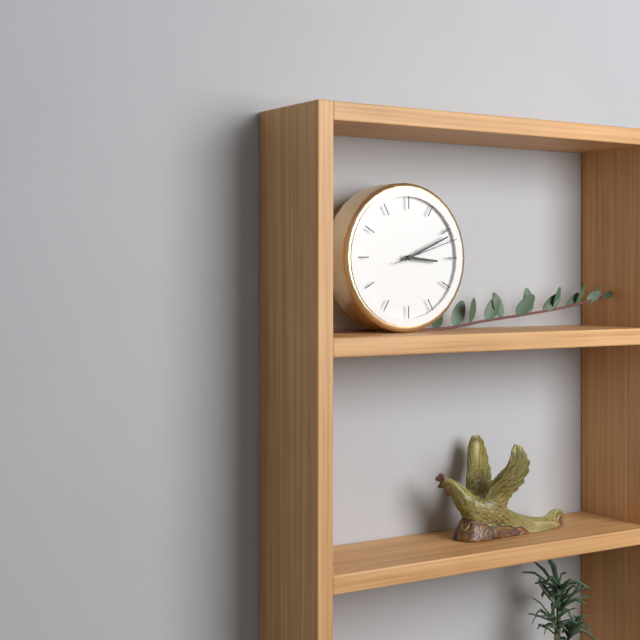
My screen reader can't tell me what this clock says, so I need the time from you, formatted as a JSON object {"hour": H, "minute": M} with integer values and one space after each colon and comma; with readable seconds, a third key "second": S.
{"hour": 3, "minute": 11, "second": 12}
